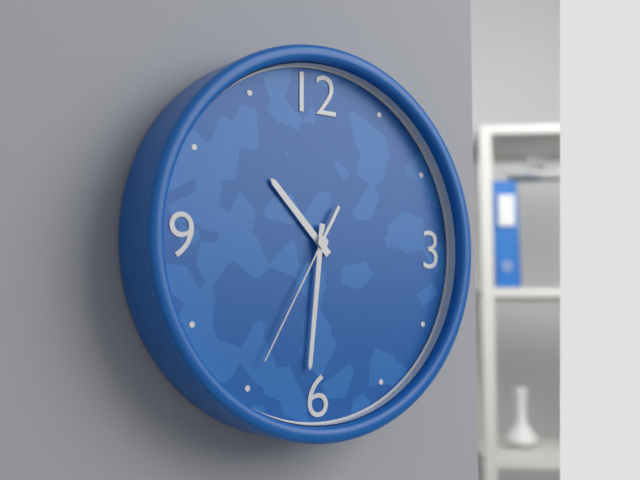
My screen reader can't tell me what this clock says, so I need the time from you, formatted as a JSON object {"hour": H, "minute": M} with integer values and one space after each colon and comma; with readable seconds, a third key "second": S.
{"hour": 10, "minute": 31, "second": 35}
